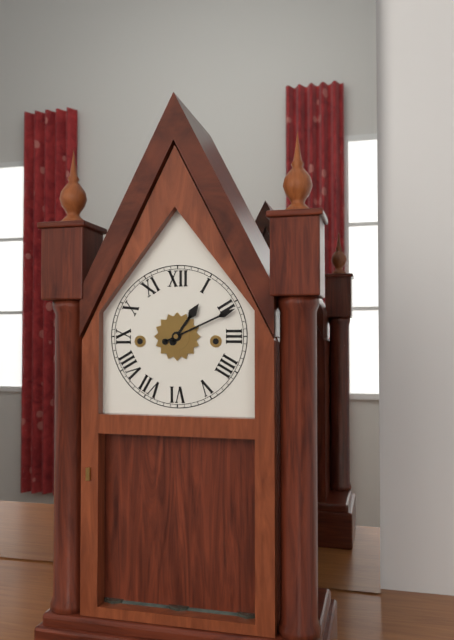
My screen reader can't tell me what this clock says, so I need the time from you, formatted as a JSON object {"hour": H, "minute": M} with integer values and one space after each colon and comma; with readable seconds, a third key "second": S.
{"hour": 1, "minute": 11}
